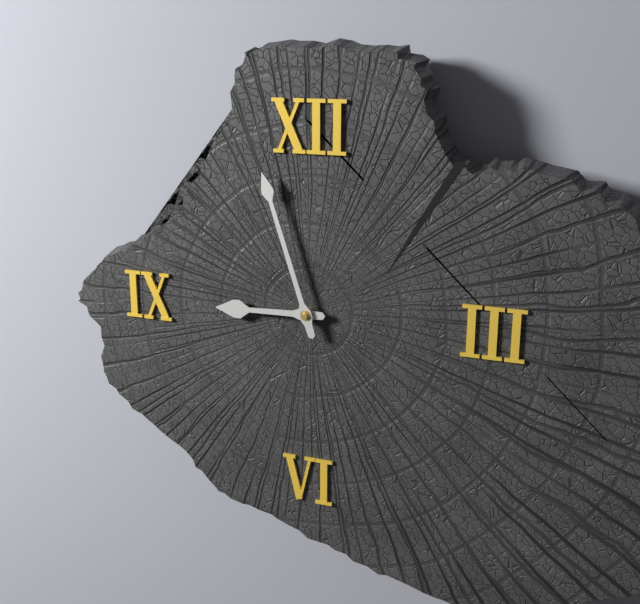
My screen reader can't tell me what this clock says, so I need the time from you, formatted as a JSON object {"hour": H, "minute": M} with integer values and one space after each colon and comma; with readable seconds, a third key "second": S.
{"hour": 8, "minute": 57}
